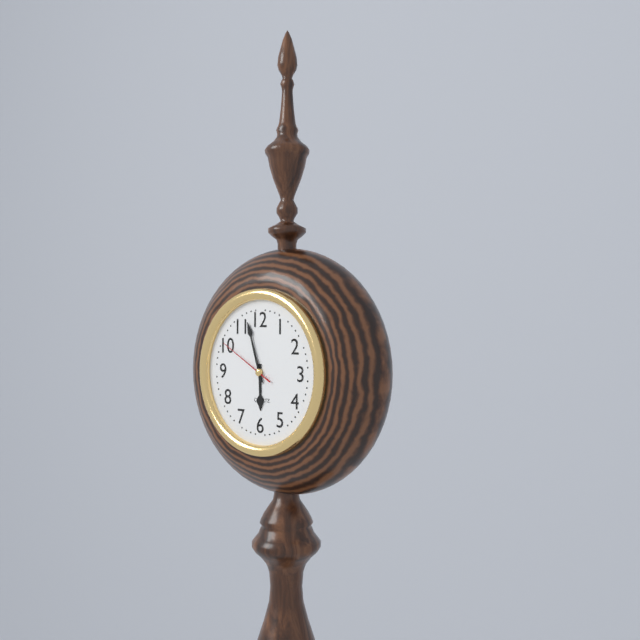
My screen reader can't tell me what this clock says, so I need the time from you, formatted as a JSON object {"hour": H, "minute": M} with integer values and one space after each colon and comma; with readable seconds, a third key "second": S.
{"hour": 5, "minute": 57, "second": 50}
